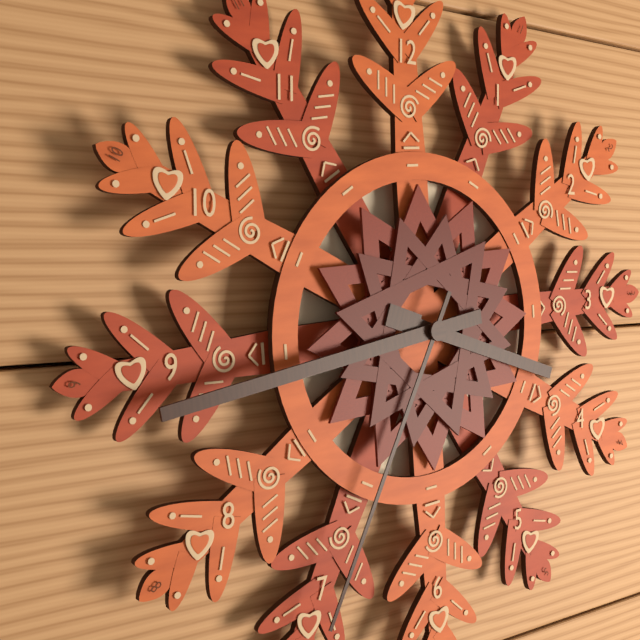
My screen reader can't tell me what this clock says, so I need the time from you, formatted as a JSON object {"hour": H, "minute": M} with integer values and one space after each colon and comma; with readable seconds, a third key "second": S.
{"hour": 3, "minute": 44, "second": 35}
